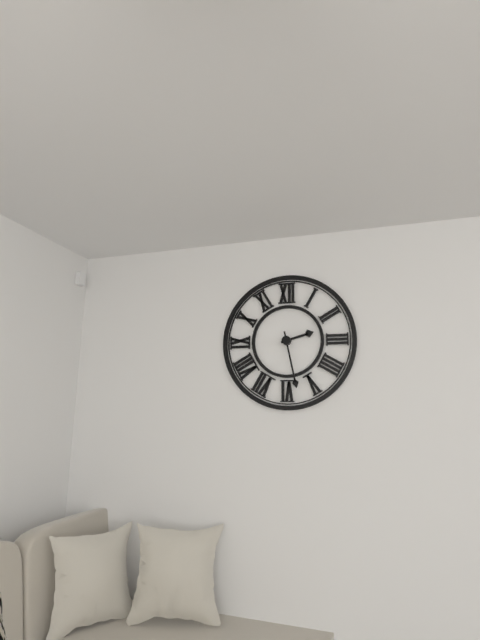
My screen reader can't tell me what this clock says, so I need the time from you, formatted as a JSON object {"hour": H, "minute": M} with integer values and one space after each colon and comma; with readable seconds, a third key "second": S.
{"hour": 2, "minute": 28}
